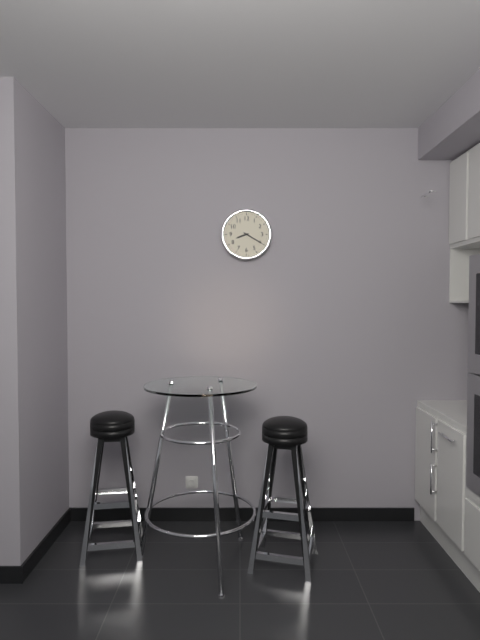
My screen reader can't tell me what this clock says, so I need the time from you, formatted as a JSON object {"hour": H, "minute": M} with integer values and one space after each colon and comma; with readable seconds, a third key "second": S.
{"hour": 8, "minute": 20}
